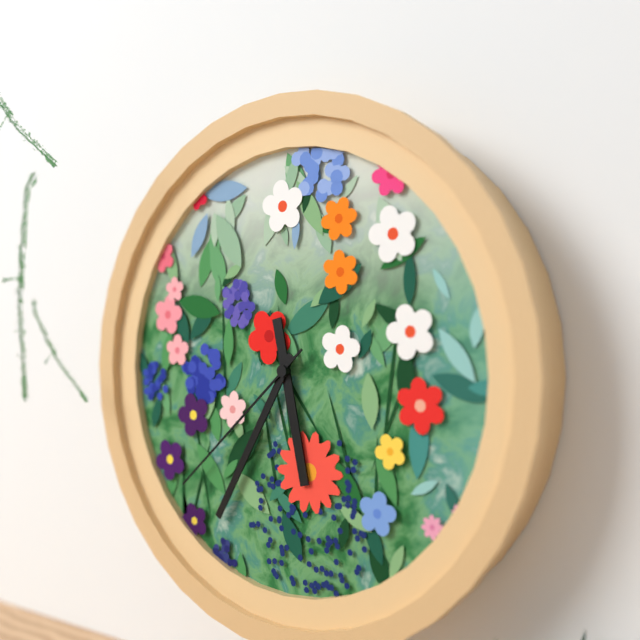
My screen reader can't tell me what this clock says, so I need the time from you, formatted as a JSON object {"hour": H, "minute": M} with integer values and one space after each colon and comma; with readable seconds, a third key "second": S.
{"hour": 5, "minute": 35, "second": 38}
